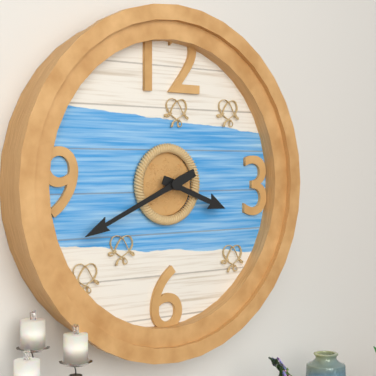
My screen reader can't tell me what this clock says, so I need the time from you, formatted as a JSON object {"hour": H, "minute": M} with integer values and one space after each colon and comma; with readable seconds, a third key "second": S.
{"hour": 3, "minute": 41}
